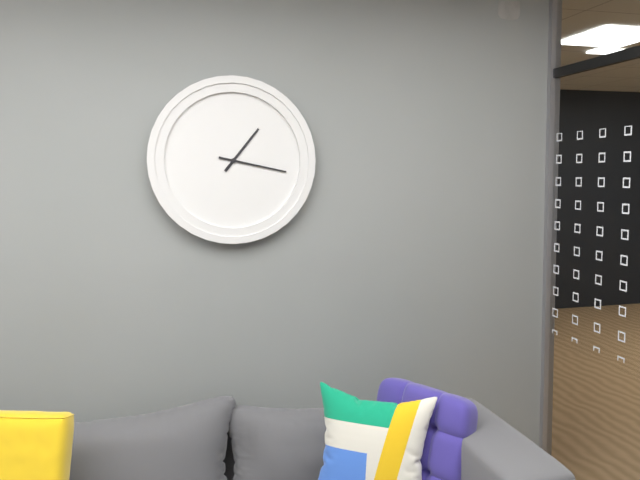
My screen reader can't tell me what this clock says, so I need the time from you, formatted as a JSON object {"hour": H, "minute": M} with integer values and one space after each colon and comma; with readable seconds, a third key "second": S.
{"hour": 1, "minute": 17}
